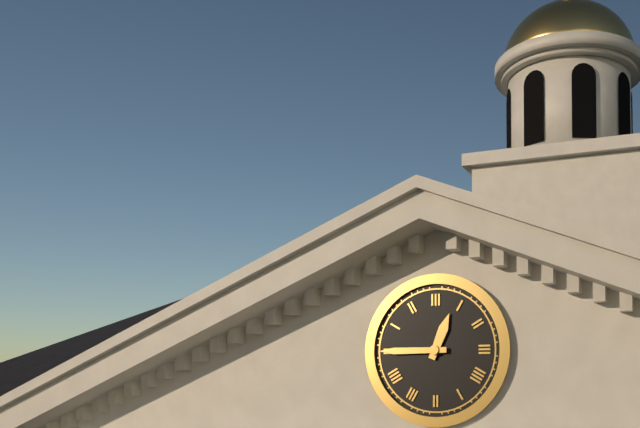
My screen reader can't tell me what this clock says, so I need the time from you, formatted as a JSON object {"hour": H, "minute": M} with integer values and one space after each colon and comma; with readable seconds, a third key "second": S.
{"hour": 12, "minute": 45}
